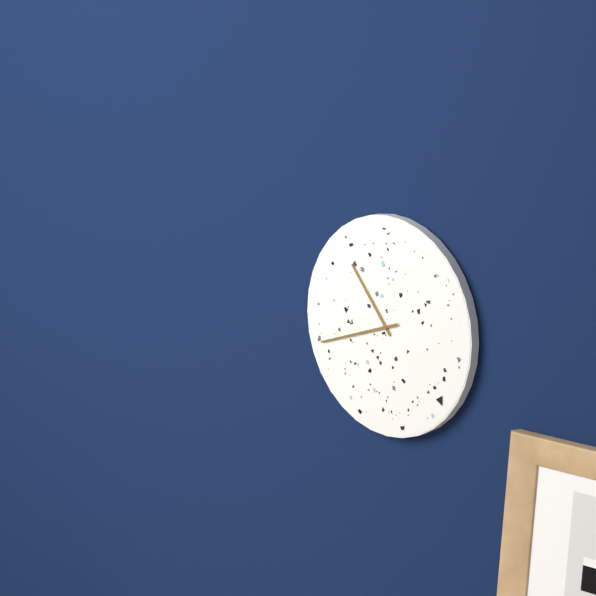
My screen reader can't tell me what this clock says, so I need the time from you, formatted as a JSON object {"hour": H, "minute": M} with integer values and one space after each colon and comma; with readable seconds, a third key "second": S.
{"hour": 10, "minute": 42}
